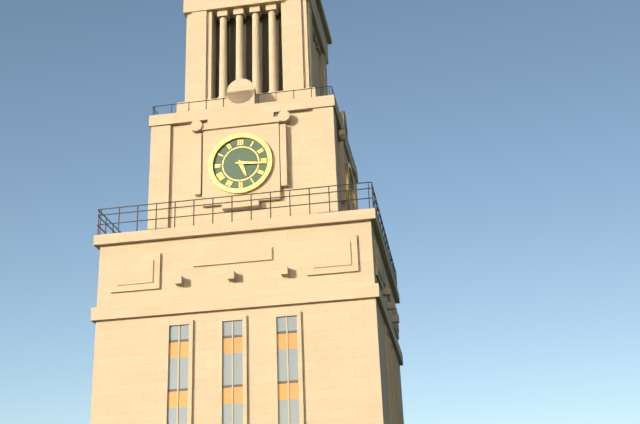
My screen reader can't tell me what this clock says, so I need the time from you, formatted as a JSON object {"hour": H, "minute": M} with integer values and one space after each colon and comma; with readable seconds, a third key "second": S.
{"hour": 5, "minute": 16}
